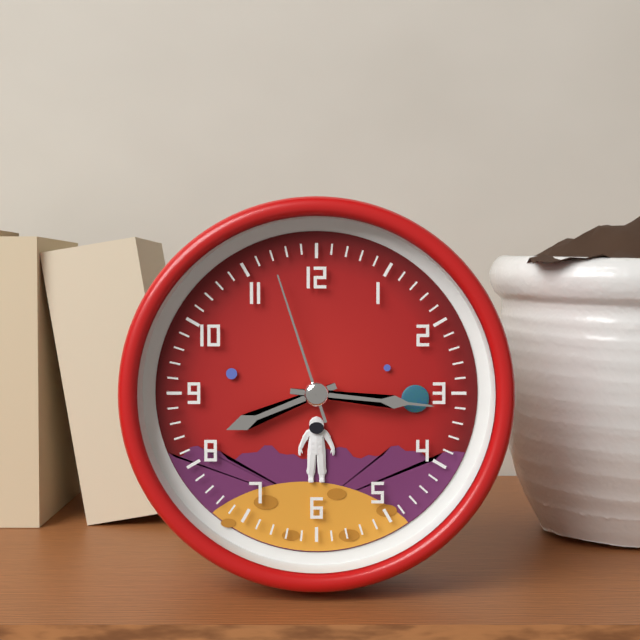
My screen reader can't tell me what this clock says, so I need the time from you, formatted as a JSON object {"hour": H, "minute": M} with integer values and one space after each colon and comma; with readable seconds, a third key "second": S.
{"hour": 8, "minute": 16, "second": 57}
